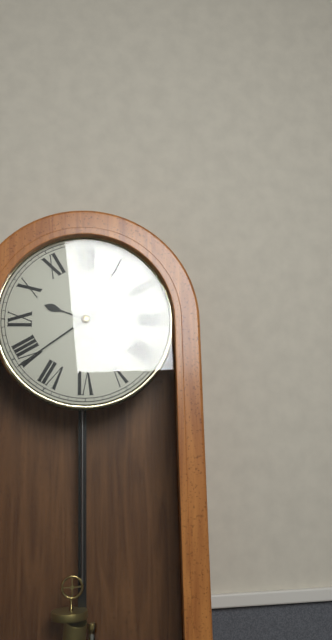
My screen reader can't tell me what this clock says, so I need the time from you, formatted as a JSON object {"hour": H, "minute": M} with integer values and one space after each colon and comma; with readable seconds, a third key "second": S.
{"hour": 9, "minute": 39}
